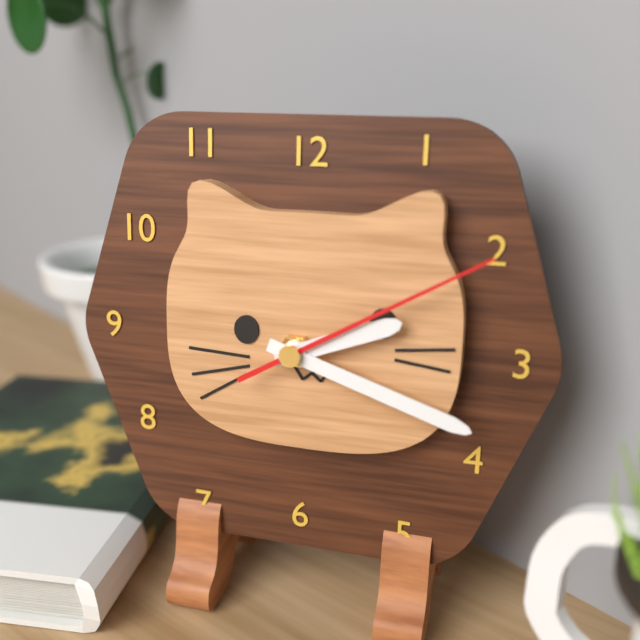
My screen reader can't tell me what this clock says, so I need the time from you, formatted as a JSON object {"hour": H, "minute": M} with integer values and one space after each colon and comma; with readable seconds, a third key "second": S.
{"hour": 2, "minute": 18, "second": 10}
